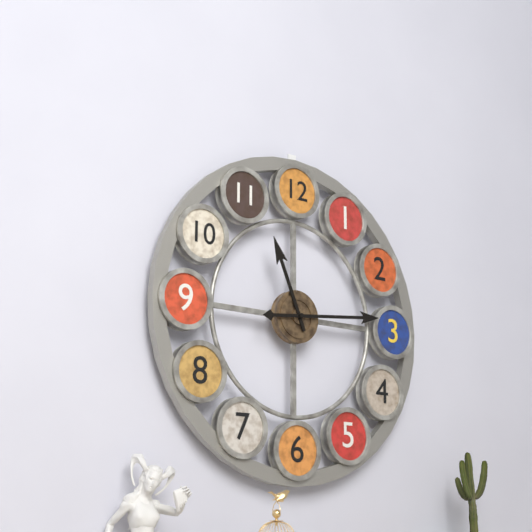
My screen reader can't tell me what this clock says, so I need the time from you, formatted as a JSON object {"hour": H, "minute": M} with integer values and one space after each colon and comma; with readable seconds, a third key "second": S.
{"hour": 11, "minute": 14}
